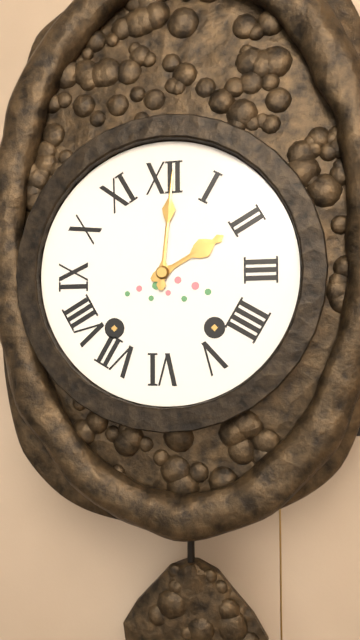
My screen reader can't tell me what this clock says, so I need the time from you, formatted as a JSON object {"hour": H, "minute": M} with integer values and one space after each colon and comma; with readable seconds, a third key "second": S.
{"hour": 2, "minute": 1}
